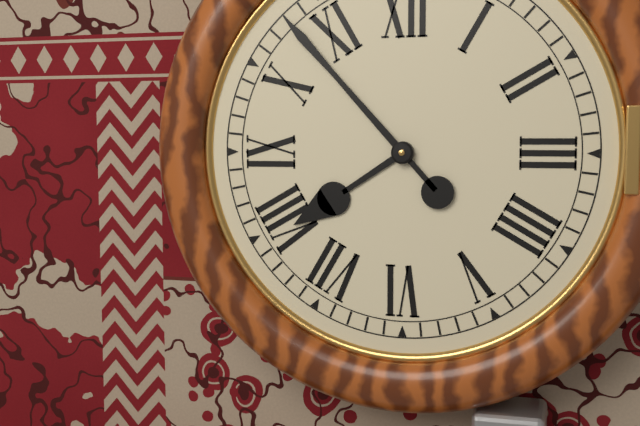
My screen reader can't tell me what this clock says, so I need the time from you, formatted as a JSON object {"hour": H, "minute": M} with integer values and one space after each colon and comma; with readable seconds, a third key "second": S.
{"hour": 7, "minute": 53}
